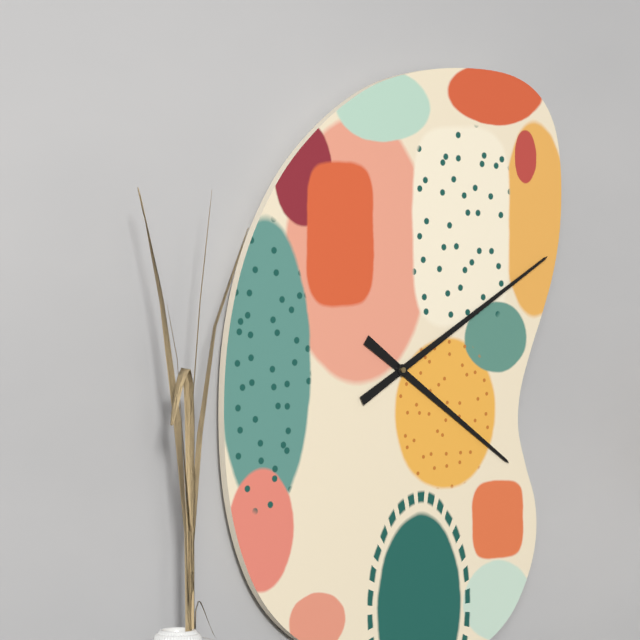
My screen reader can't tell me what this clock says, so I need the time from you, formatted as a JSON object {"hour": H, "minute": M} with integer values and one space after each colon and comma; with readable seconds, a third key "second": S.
{"hour": 4, "minute": 10}
